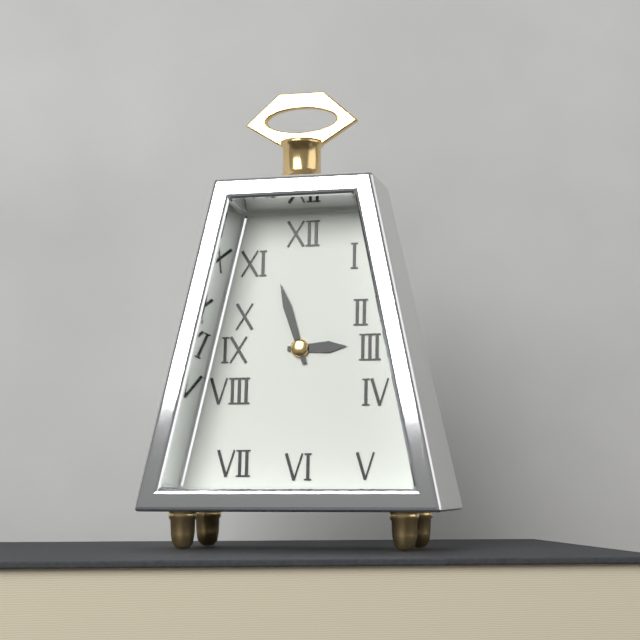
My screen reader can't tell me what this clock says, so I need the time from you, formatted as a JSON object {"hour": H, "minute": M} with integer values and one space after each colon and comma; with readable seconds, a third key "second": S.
{"hour": 2, "minute": 57}
